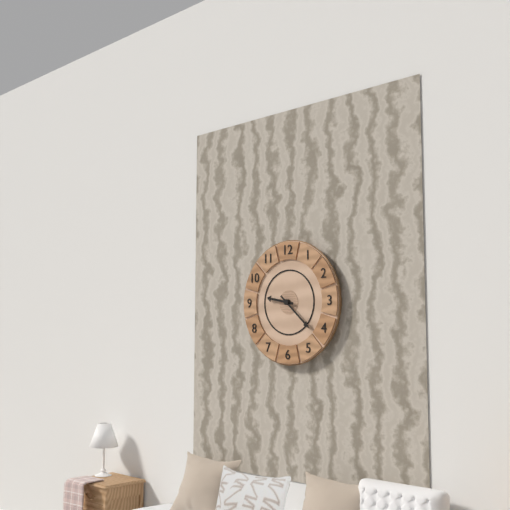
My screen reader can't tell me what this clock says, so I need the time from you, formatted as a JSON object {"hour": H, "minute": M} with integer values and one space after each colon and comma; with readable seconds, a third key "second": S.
{"hour": 9, "minute": 22}
